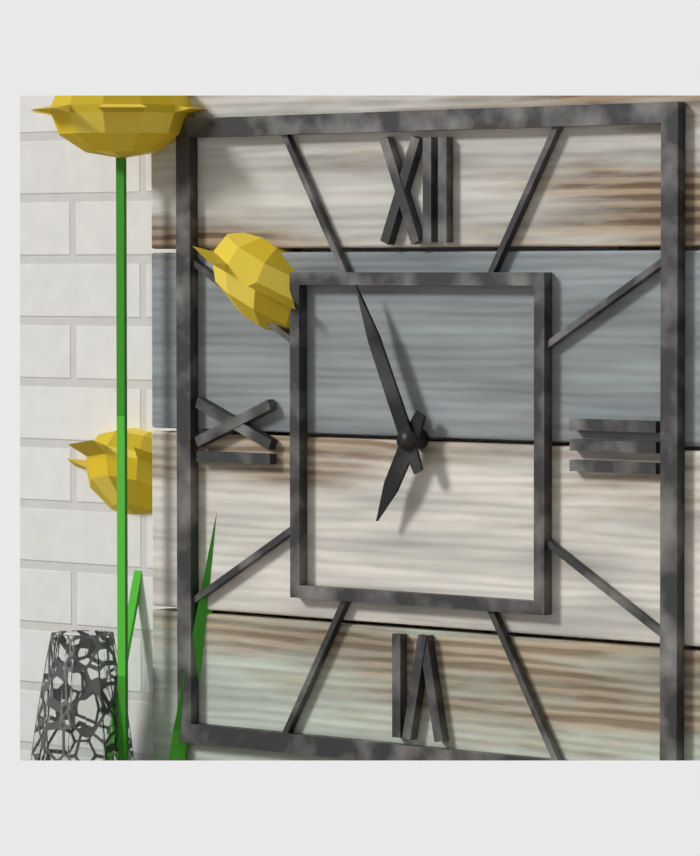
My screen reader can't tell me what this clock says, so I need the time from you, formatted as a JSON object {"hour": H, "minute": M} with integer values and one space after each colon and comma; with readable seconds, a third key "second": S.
{"hour": 6, "minute": 56}
